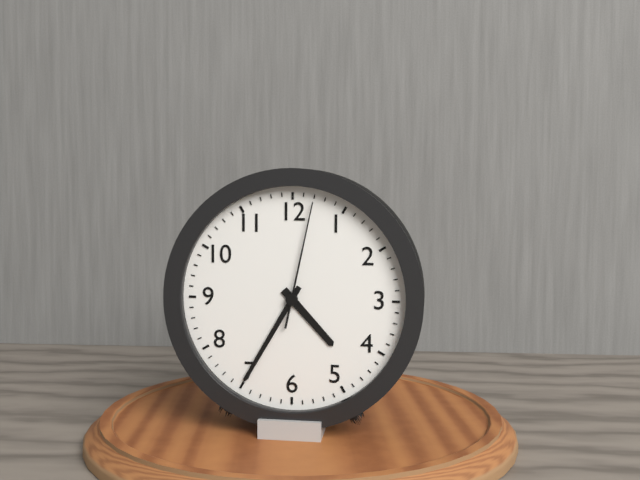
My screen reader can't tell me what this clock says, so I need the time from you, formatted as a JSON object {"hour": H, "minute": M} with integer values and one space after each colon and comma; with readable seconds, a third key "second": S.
{"hour": 4, "minute": 35, "second": 2}
